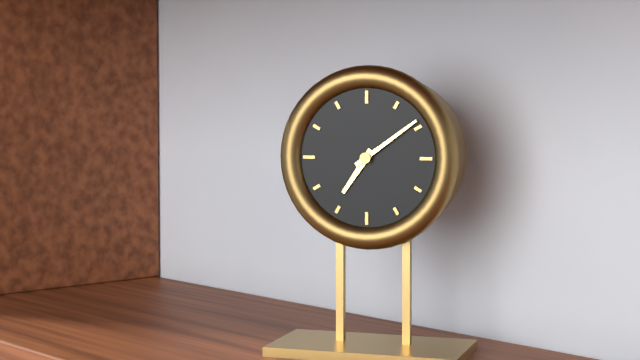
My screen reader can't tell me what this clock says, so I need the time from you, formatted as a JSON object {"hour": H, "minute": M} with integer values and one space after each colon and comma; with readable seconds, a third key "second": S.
{"hour": 7, "minute": 9}
